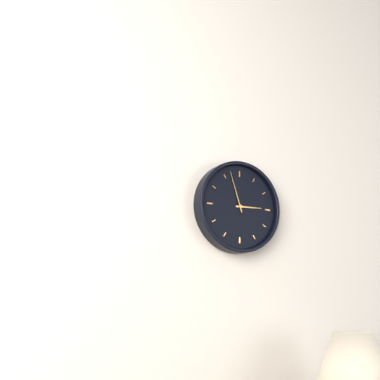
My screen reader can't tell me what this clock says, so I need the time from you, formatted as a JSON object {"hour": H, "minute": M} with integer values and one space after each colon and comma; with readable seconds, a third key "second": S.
{"hour": 2, "minute": 57}
